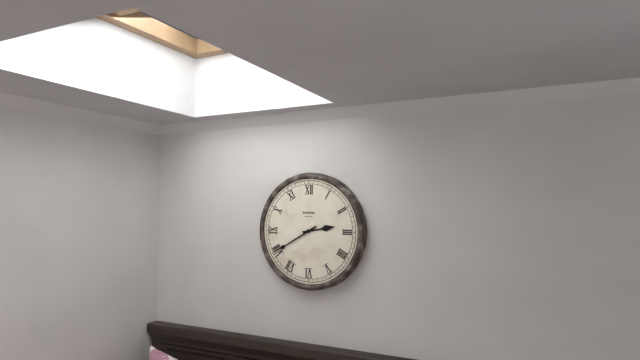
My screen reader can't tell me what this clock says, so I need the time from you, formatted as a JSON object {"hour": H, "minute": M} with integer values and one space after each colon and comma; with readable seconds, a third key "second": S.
{"hour": 2, "minute": 40}
